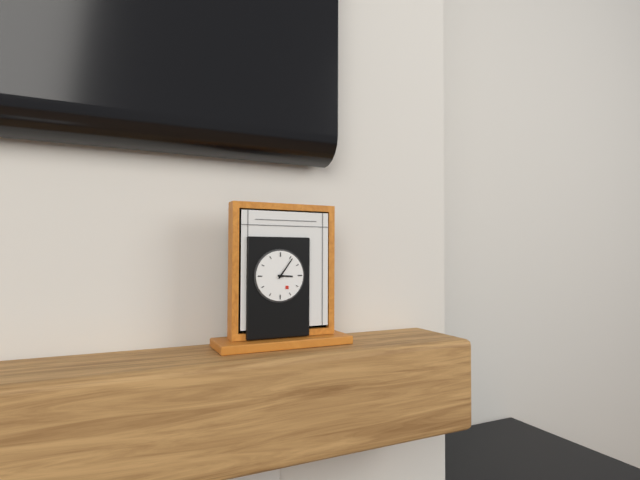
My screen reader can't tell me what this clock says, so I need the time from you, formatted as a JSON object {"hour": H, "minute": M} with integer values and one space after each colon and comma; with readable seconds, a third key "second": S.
{"hour": 3, "minute": 6}
